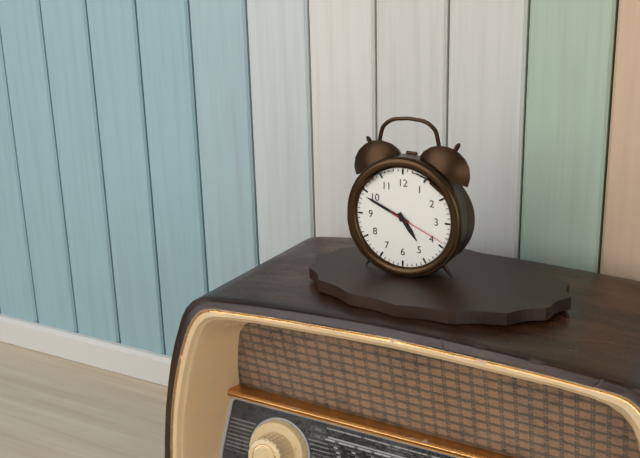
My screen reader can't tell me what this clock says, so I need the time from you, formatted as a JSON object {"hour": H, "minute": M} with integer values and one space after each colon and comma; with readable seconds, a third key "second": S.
{"hour": 4, "minute": 49, "second": 19}
